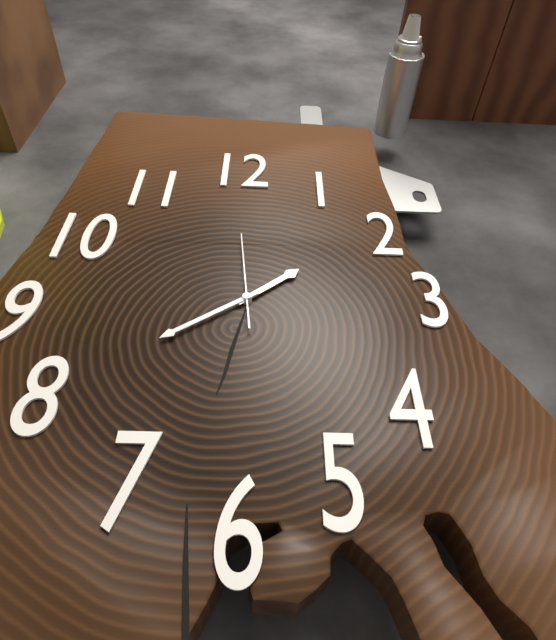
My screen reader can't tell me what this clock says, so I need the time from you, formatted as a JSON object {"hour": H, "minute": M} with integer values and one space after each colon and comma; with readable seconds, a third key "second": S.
{"hour": 1, "minute": 39, "second": 59}
